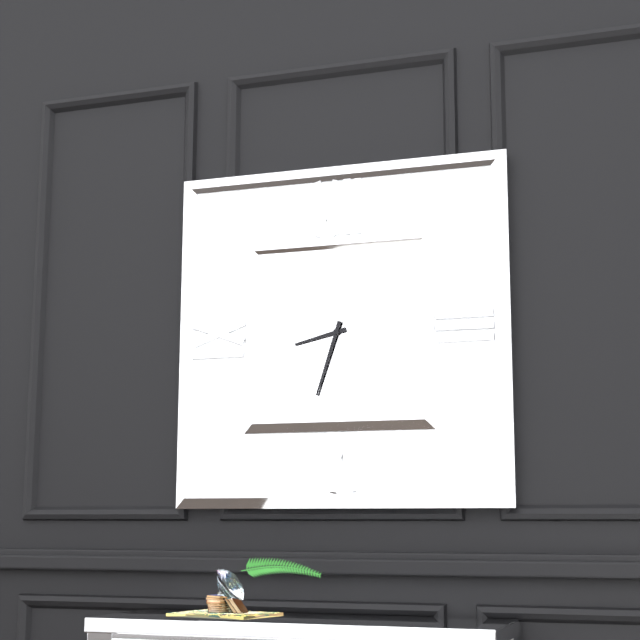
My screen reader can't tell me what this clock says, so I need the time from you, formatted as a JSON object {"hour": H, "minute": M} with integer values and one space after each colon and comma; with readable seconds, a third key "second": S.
{"hour": 8, "minute": 33}
